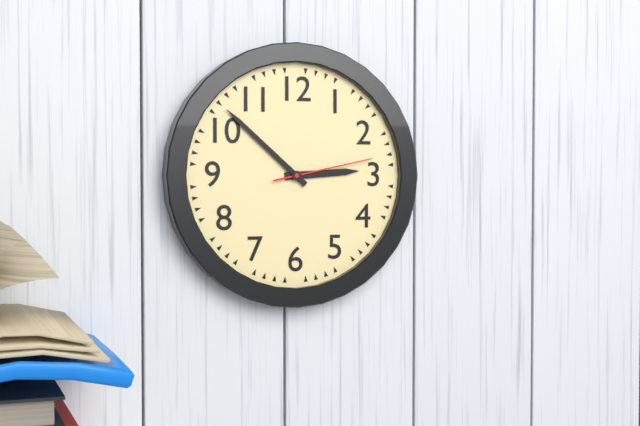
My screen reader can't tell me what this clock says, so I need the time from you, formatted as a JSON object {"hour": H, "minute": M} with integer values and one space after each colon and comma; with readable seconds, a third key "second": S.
{"hour": 2, "minute": 52, "second": 13}
